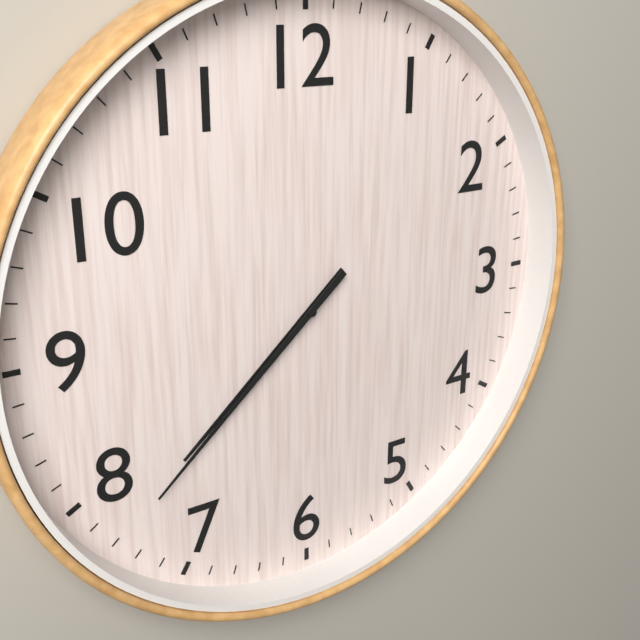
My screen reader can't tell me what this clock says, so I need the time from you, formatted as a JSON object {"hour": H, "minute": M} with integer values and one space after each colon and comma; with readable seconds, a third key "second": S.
{"hour": 7, "minute": 38}
